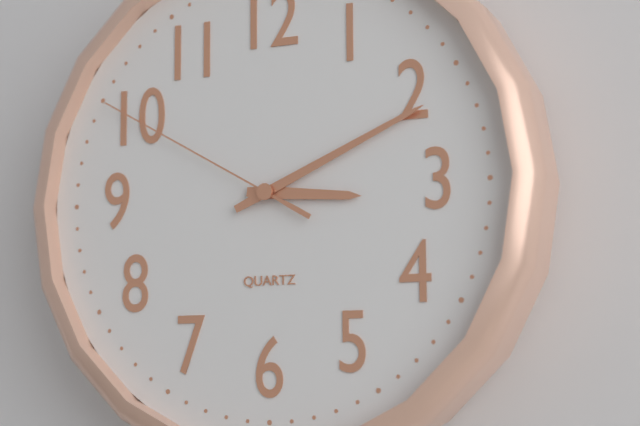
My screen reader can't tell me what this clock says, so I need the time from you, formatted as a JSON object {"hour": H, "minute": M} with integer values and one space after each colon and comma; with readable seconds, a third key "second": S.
{"hour": 3, "minute": 11, "second": 50}
